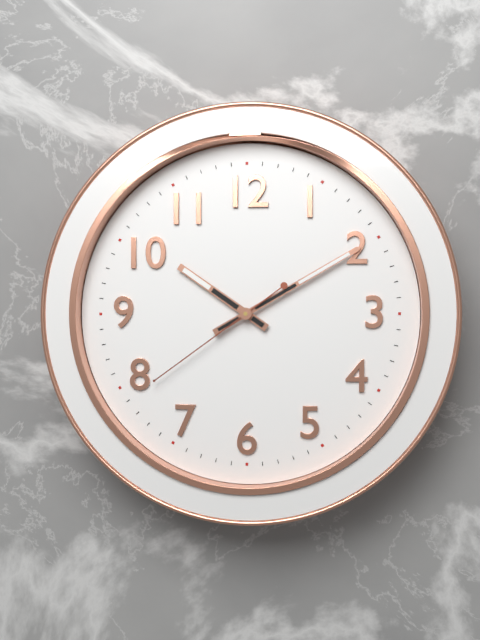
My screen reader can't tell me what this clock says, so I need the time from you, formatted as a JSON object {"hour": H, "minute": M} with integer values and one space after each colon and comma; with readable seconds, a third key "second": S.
{"hour": 10, "minute": 10, "second": 39}
